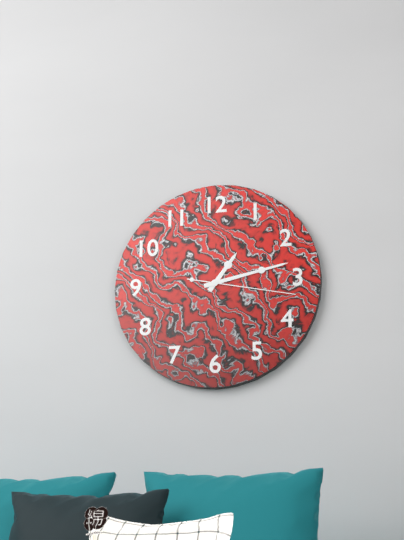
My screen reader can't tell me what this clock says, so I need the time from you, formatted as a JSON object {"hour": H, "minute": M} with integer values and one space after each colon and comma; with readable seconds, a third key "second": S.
{"hour": 1, "minute": 13, "second": 17}
